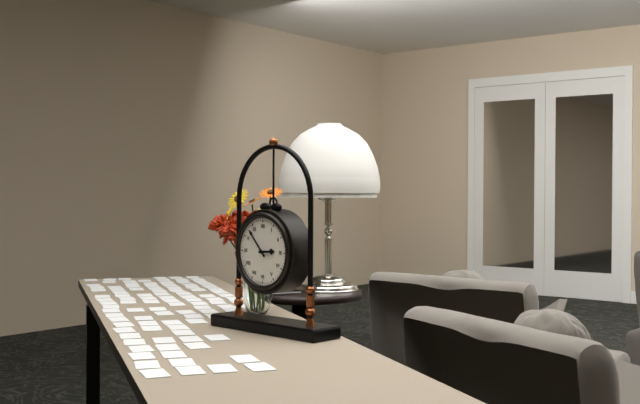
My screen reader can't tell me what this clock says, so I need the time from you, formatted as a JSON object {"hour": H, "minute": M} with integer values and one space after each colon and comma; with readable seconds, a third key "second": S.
{"hour": 2, "minute": 53}
